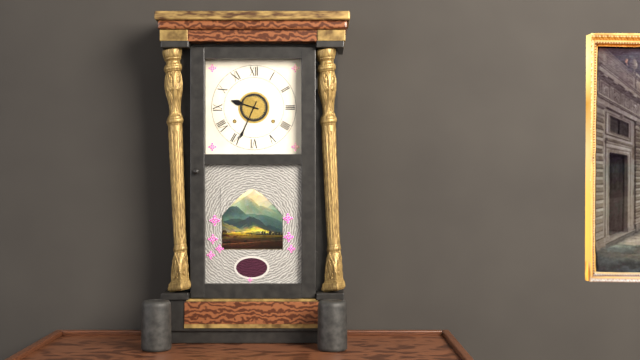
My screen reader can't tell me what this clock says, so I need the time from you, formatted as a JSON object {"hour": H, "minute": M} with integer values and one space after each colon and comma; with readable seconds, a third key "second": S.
{"hour": 9, "minute": 34}
